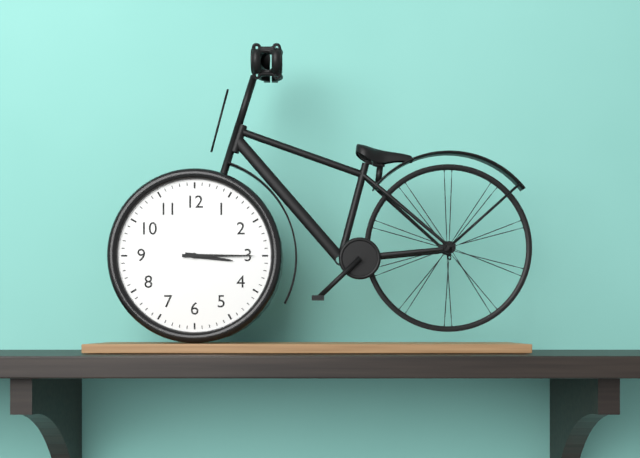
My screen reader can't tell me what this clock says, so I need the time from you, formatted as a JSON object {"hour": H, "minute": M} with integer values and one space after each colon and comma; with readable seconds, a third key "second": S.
{"hour": 3, "minute": 15}
